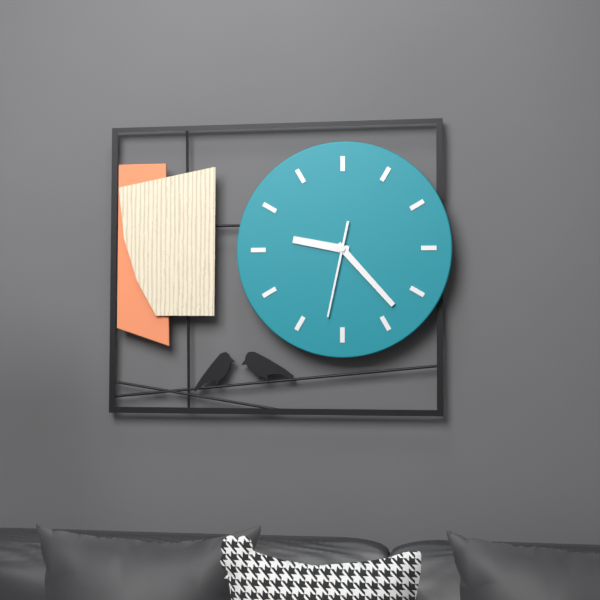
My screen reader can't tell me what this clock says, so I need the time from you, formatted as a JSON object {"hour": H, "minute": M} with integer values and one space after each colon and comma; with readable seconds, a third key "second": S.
{"hour": 9, "minute": 23, "second": 32}
